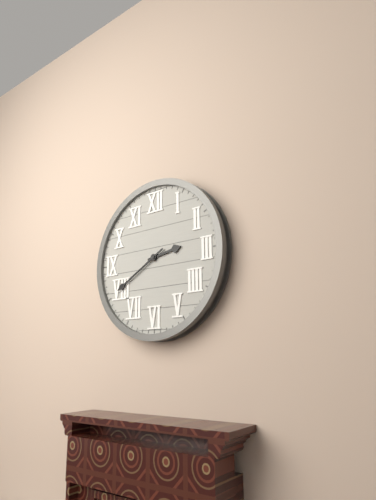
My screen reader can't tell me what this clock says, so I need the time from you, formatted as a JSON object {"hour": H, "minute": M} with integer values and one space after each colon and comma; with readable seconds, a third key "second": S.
{"hour": 2, "minute": 40}
